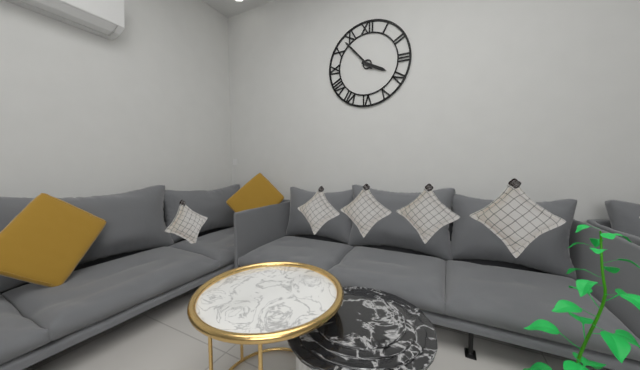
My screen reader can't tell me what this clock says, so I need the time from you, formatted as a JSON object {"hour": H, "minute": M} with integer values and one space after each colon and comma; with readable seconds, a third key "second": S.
{"hour": 3, "minute": 53}
